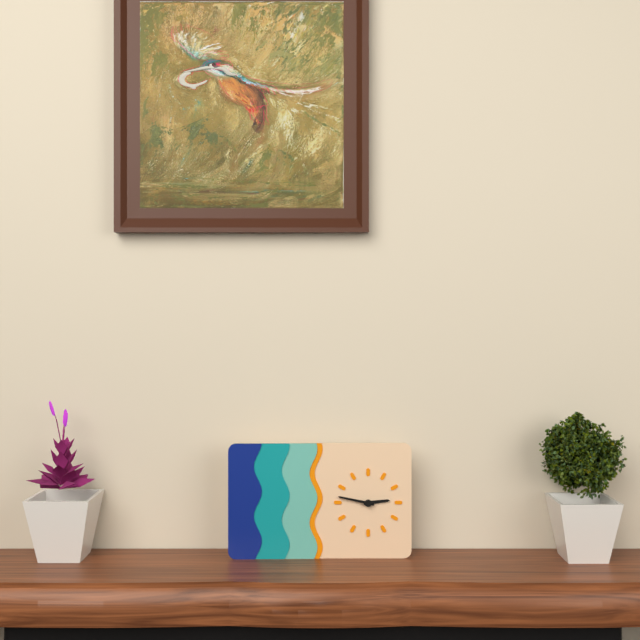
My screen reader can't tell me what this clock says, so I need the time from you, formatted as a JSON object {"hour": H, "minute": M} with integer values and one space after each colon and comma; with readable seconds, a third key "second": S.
{"hour": 2, "minute": 47}
